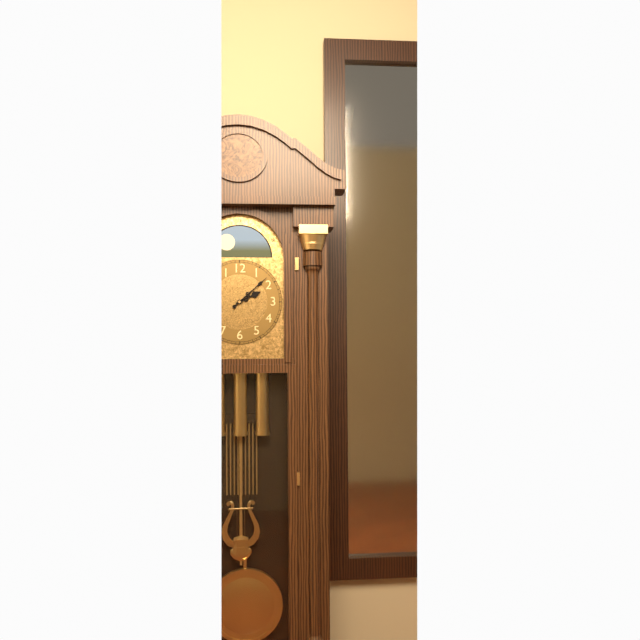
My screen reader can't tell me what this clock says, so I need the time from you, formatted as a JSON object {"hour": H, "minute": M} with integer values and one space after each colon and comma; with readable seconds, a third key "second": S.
{"hour": 2, "minute": 8}
